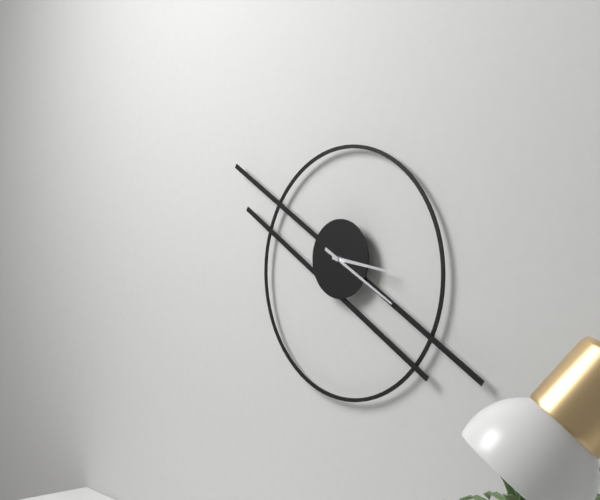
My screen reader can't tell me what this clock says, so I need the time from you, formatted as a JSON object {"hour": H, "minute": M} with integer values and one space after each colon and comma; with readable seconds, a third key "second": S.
{"hour": 3, "minute": 20}
